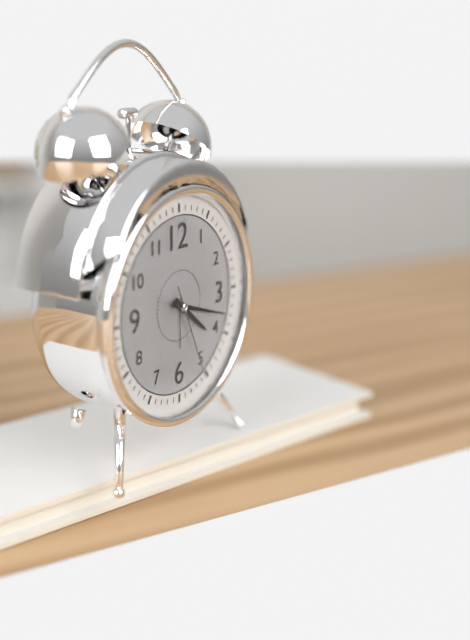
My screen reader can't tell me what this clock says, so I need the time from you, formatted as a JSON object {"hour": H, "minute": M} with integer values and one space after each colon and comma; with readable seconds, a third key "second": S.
{"hour": 4, "minute": 18, "second": 26}
